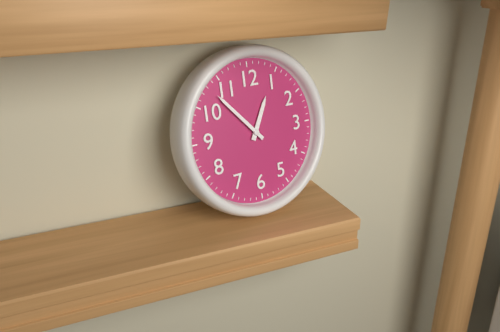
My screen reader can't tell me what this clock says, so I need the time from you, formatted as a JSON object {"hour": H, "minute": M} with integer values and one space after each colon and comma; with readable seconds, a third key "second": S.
{"hour": 12, "minute": 53}
